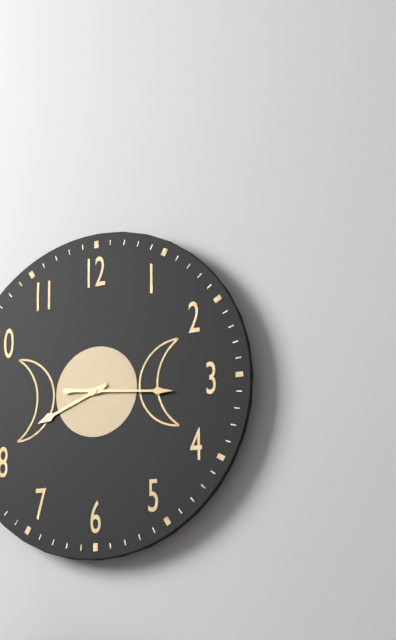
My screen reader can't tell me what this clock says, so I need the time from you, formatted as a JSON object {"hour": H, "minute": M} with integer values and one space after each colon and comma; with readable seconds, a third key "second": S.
{"hour": 8, "minute": 16}
